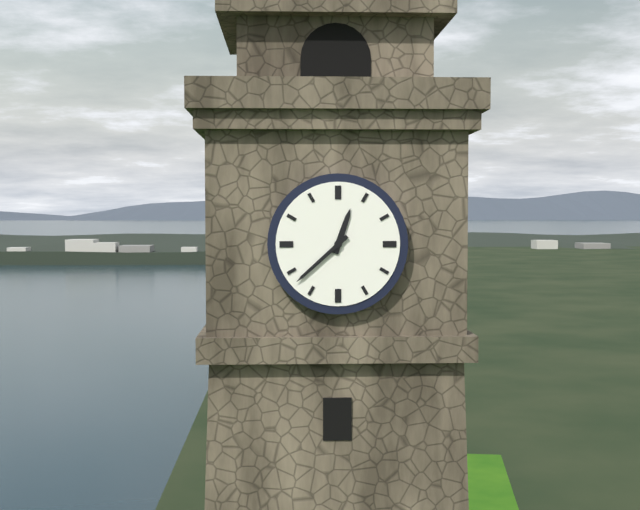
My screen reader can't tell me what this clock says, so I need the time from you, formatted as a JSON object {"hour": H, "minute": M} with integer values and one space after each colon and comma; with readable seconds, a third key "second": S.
{"hour": 12, "minute": 38}
